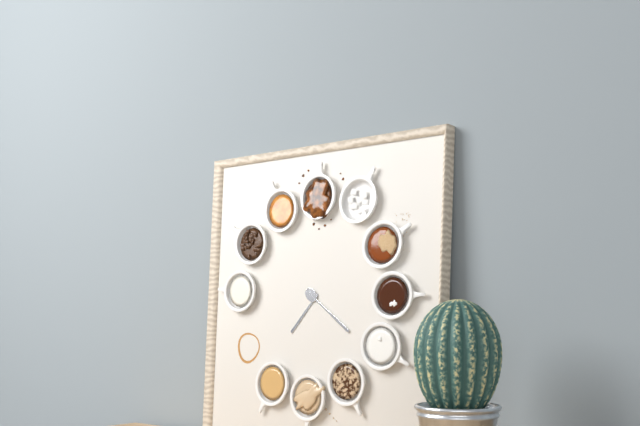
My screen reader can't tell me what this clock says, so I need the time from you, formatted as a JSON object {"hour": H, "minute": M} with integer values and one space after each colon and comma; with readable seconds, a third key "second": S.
{"hour": 7, "minute": 21}
